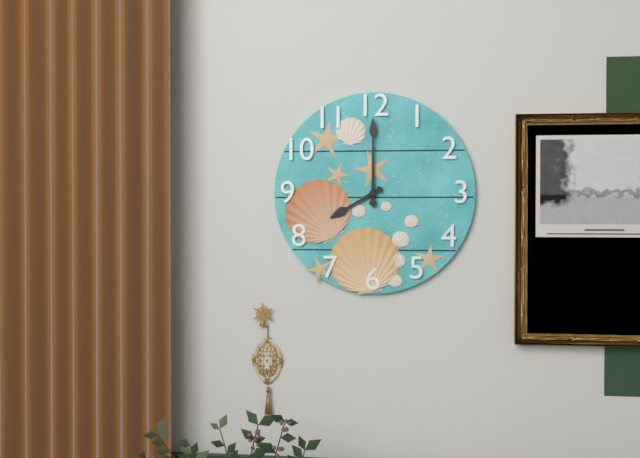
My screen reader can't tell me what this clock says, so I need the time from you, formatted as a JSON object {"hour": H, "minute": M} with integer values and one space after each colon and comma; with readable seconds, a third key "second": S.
{"hour": 8, "minute": 0}
